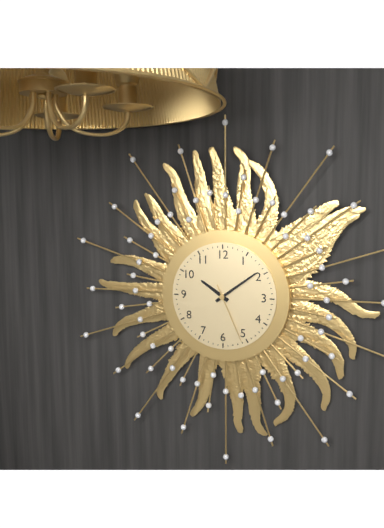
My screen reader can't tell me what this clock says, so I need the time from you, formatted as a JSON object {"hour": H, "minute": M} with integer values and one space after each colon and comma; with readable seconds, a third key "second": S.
{"hour": 10, "minute": 9, "second": 26}
